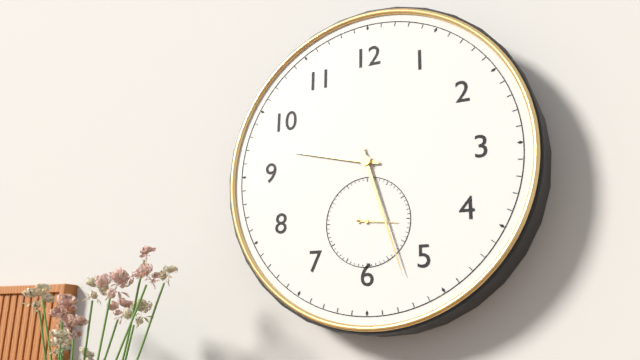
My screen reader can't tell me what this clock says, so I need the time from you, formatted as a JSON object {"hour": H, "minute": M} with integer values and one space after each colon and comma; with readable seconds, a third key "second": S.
{"hour": 9, "minute": 27}
